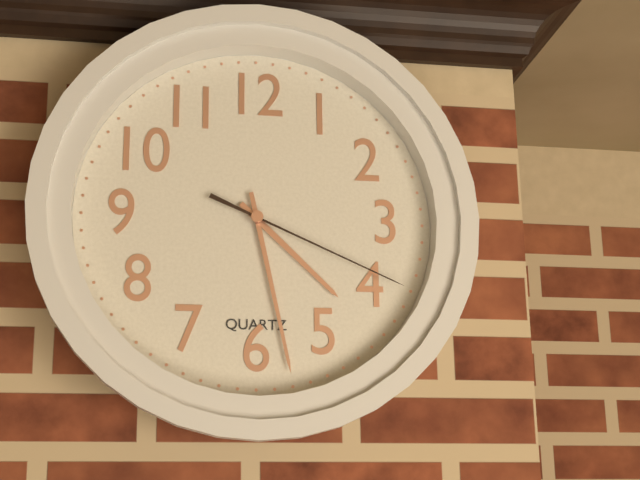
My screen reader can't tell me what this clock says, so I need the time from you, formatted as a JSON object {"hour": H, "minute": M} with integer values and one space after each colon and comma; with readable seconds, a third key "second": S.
{"hour": 4, "minute": 28, "second": 19}
